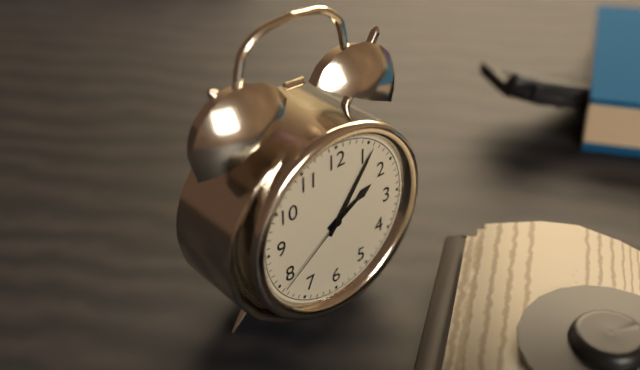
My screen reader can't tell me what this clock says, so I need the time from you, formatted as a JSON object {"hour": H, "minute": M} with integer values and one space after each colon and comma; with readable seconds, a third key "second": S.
{"hour": 2, "minute": 6, "second": 39}
